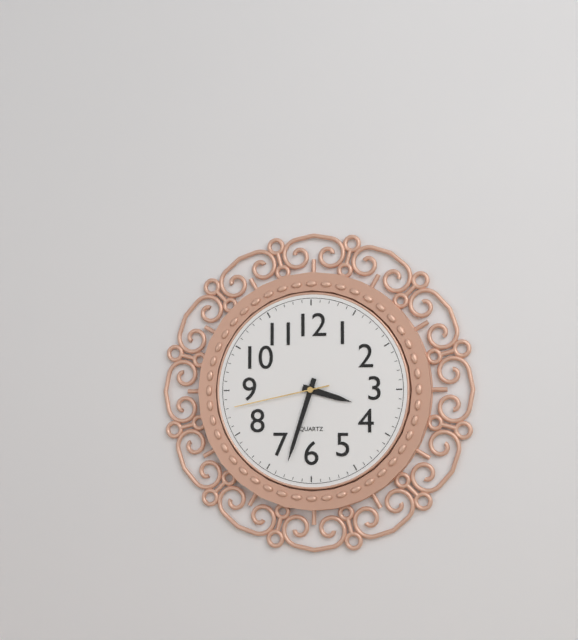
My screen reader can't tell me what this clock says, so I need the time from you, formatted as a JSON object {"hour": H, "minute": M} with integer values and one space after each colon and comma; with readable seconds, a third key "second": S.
{"hour": 3, "minute": 33, "second": 43}
